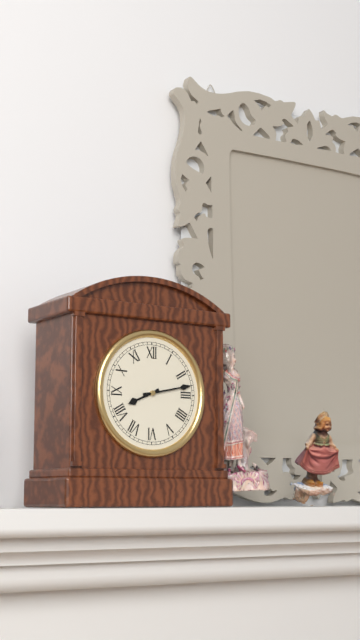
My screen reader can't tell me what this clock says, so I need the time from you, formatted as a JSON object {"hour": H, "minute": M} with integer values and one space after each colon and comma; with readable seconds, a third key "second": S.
{"hour": 8, "minute": 13}
